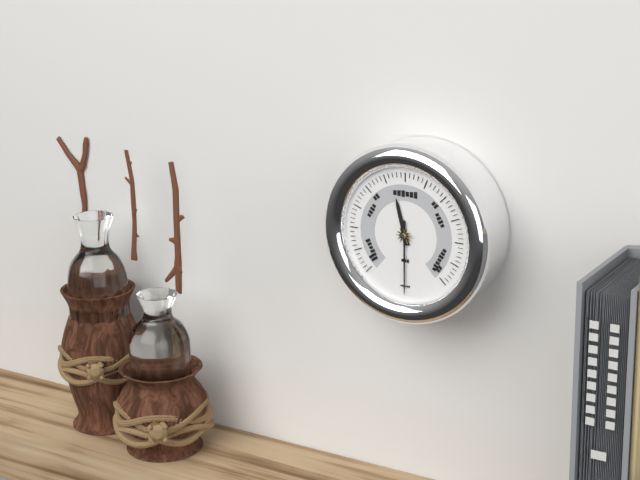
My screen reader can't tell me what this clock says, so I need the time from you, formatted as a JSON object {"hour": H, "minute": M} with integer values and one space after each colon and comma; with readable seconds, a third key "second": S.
{"hour": 11, "minute": 30}
